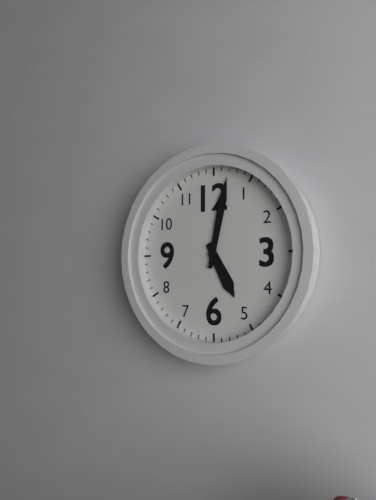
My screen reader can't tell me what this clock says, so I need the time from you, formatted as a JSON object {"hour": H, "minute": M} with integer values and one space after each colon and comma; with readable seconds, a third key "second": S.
{"hour": 5, "minute": 2}
